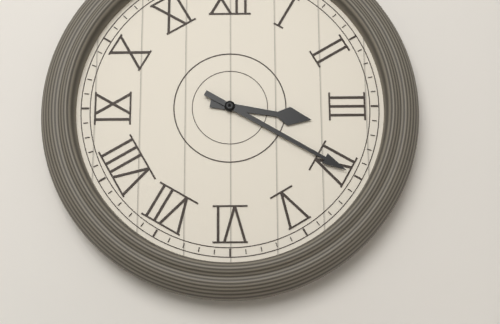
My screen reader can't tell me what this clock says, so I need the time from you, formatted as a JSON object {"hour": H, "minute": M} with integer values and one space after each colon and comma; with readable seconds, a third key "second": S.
{"hour": 3, "minute": 20}
